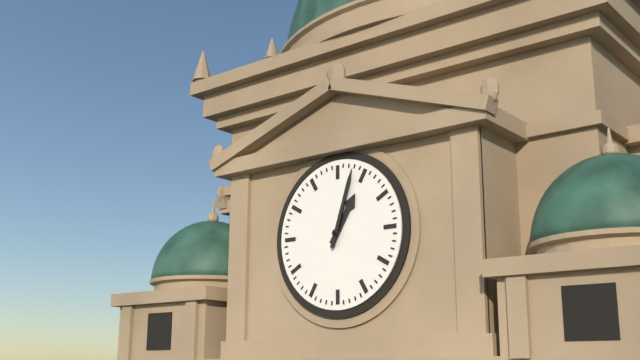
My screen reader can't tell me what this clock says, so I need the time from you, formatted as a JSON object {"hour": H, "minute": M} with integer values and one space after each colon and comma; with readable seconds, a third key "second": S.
{"hour": 1, "minute": 3}
